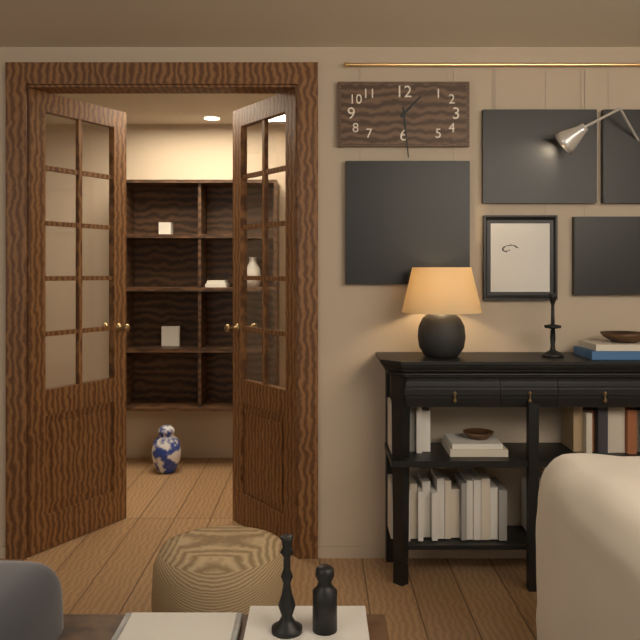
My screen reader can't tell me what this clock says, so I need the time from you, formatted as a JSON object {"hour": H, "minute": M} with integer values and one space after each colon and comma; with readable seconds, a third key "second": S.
{"hour": 1, "minute": 29}
